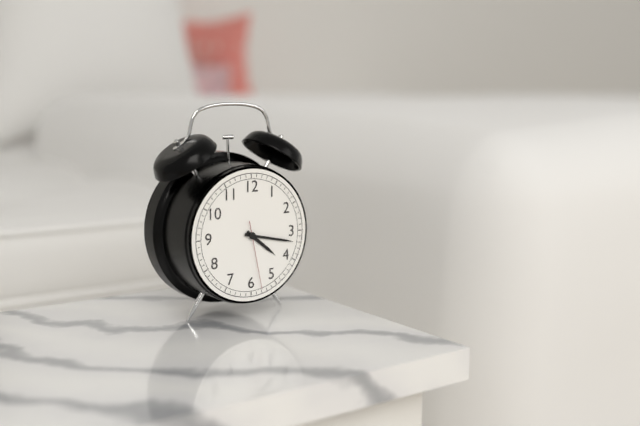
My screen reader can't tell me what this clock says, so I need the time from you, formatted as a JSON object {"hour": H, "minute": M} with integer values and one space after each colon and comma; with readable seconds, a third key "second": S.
{"hour": 4, "minute": 17, "second": 28}
